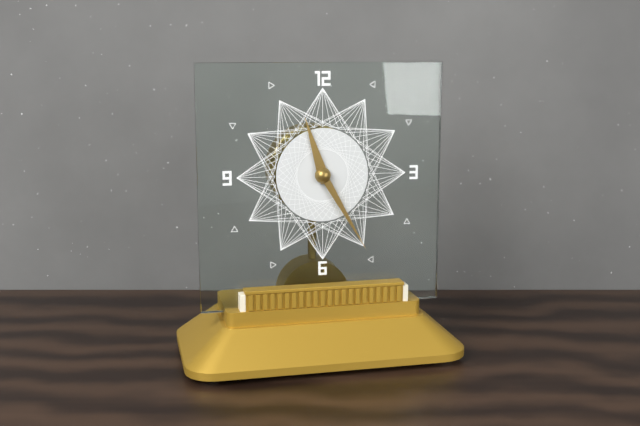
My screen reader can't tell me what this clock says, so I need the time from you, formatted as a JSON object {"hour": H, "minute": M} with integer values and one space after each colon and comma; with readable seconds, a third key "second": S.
{"hour": 11, "minute": 25}
